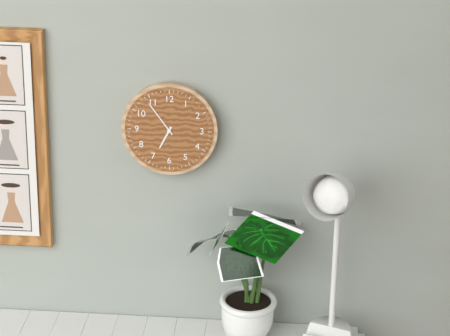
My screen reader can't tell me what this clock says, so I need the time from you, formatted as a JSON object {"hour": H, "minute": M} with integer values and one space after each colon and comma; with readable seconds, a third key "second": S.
{"hour": 6, "minute": 54}
